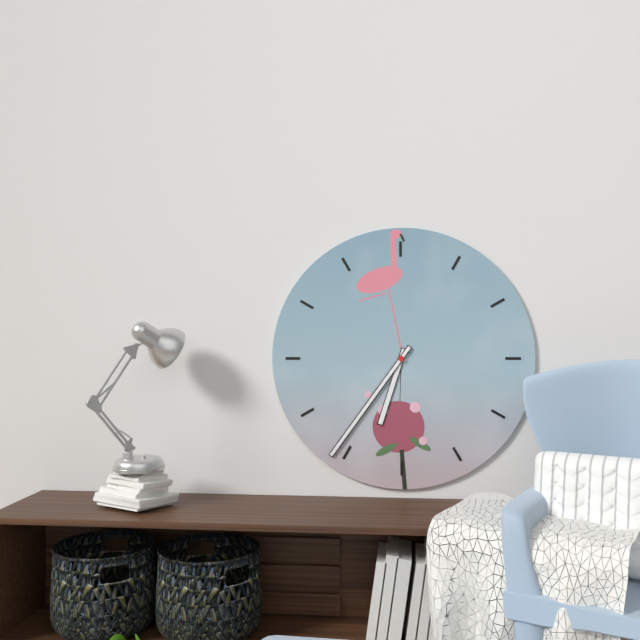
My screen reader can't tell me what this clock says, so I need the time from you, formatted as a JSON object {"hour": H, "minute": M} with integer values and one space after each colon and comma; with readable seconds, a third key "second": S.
{"hour": 6, "minute": 36}
